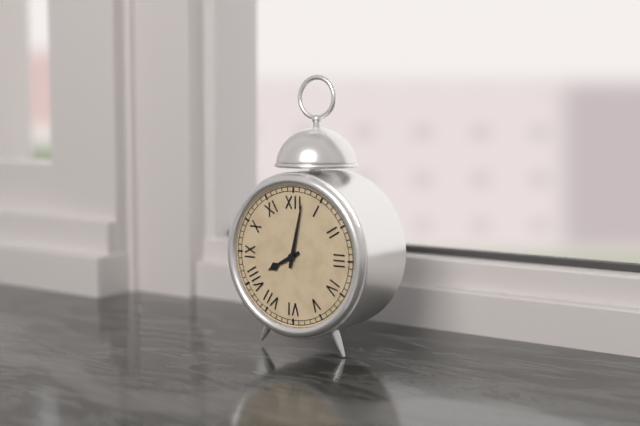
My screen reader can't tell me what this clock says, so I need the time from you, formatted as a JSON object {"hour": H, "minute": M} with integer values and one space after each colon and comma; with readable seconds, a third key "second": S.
{"hour": 8, "minute": 2}
